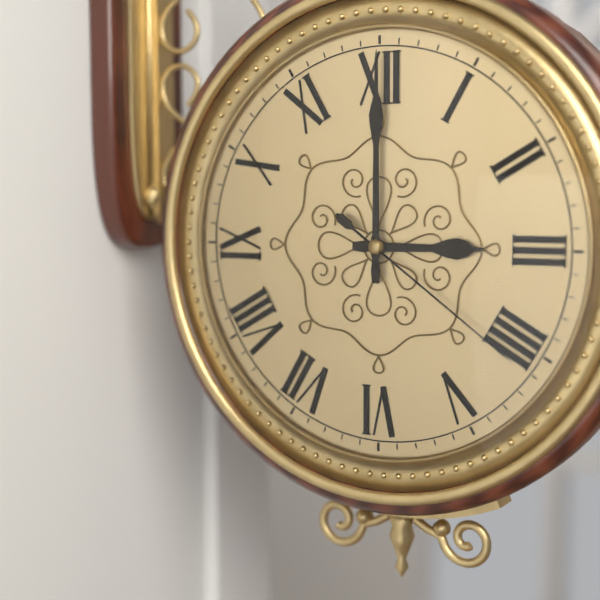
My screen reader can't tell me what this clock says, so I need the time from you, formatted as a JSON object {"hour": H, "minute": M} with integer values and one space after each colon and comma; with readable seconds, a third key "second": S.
{"hour": 3, "minute": 0, "second": 21}
